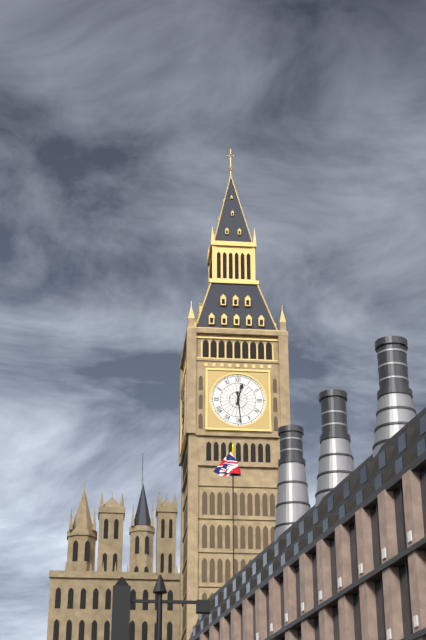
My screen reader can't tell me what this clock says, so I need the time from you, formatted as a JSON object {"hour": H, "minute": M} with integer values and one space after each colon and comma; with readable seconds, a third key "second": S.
{"hour": 12, "minute": 29}
